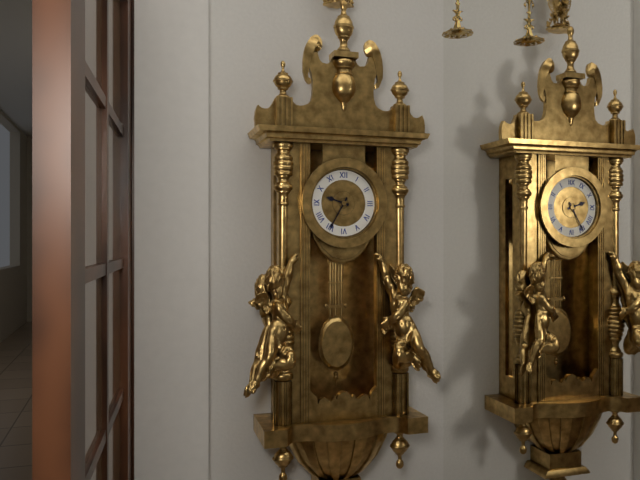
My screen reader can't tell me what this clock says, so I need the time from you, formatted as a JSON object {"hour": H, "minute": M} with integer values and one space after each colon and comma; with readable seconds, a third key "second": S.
{"hour": 9, "minute": 35}
